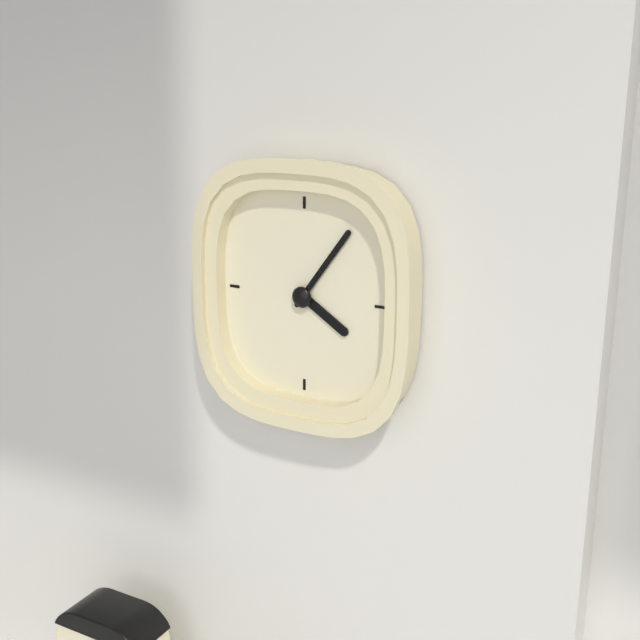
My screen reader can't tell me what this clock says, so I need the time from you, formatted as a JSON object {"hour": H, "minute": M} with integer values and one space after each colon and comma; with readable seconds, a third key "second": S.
{"hour": 4, "minute": 6}
